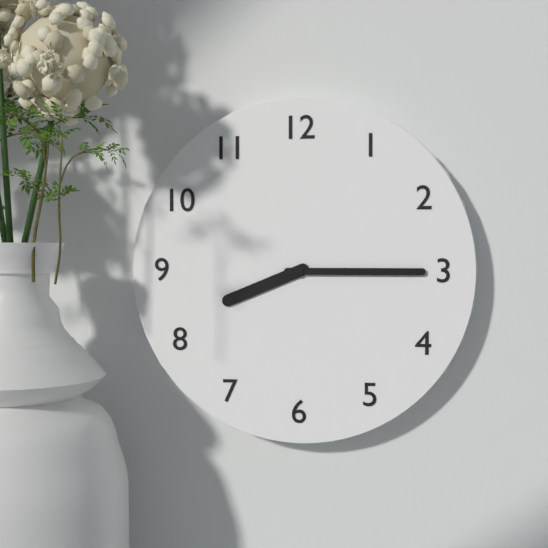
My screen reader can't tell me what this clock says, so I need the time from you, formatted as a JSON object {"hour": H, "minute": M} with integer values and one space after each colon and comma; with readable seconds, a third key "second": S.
{"hour": 8, "minute": 15}
